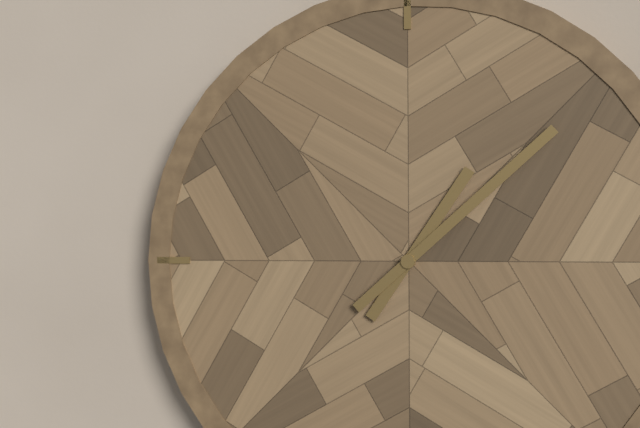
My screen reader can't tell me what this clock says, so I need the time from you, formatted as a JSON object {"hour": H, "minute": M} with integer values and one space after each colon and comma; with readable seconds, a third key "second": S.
{"hour": 1, "minute": 8}
